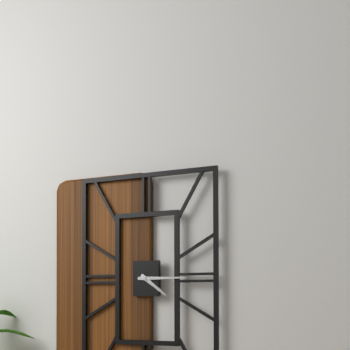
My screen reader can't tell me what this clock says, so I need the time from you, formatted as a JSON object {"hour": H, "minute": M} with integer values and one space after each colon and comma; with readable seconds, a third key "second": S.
{"hour": 4, "minute": 15}
